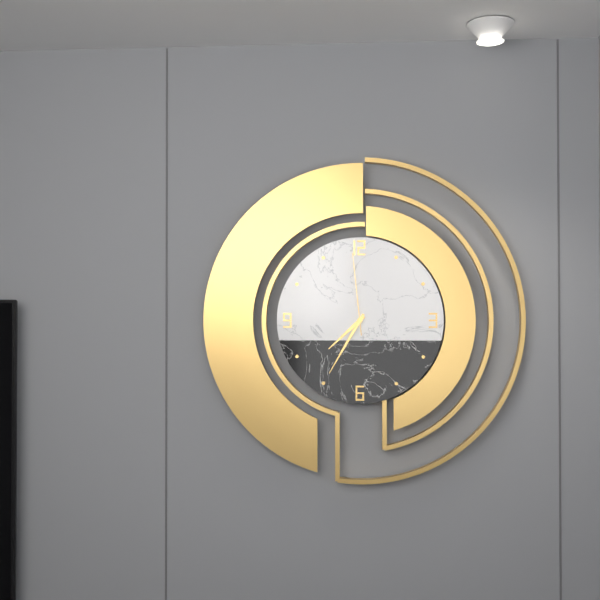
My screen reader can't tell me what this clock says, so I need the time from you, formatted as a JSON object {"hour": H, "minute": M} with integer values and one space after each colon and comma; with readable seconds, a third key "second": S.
{"hour": 7, "minute": 35, "second": 59}
